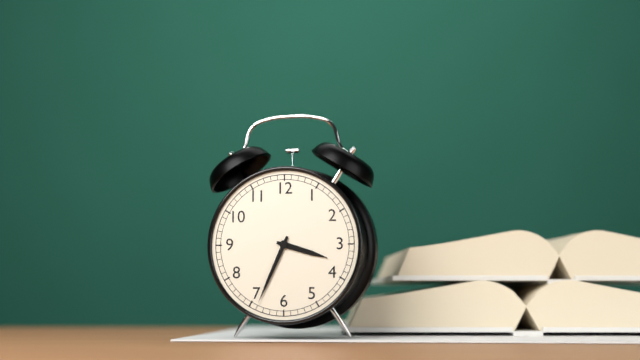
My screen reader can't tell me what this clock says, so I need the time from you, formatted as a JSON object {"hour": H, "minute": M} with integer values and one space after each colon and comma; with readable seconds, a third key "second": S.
{"hour": 3, "minute": 34}
